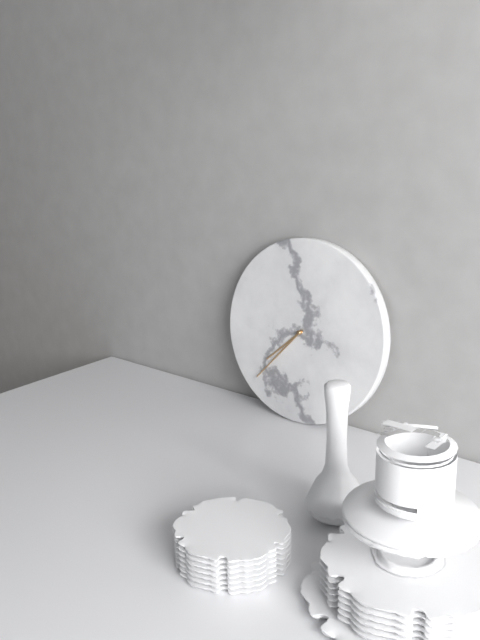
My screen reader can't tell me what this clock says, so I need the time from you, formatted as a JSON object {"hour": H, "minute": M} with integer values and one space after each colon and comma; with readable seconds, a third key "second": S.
{"hour": 7, "minute": 37}
